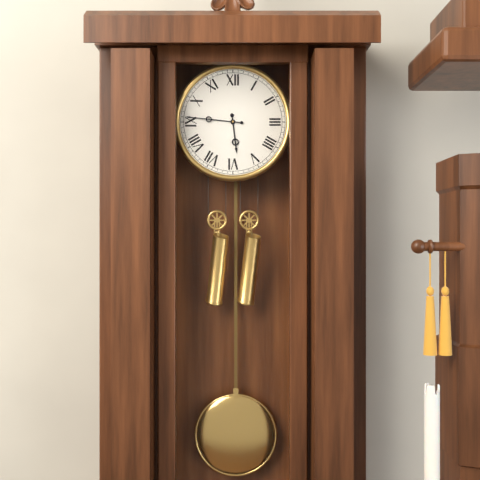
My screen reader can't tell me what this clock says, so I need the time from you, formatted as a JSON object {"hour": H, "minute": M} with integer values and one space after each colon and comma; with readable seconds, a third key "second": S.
{"hour": 5, "minute": 46}
